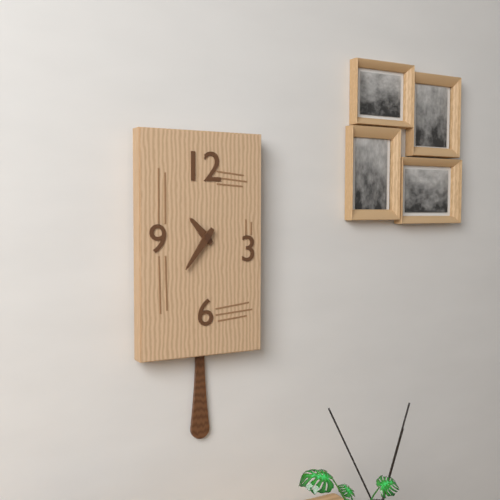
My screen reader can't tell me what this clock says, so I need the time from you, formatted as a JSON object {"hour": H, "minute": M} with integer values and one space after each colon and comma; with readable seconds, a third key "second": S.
{"hour": 10, "minute": 36}
